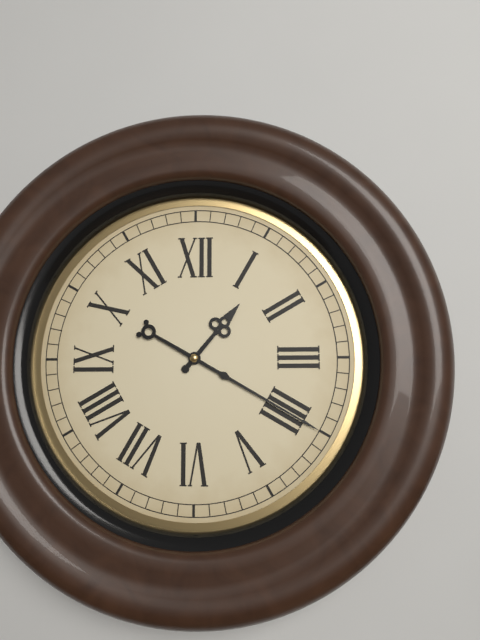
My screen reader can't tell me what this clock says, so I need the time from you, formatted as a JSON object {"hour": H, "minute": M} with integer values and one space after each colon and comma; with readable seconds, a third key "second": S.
{"hour": 1, "minute": 20}
